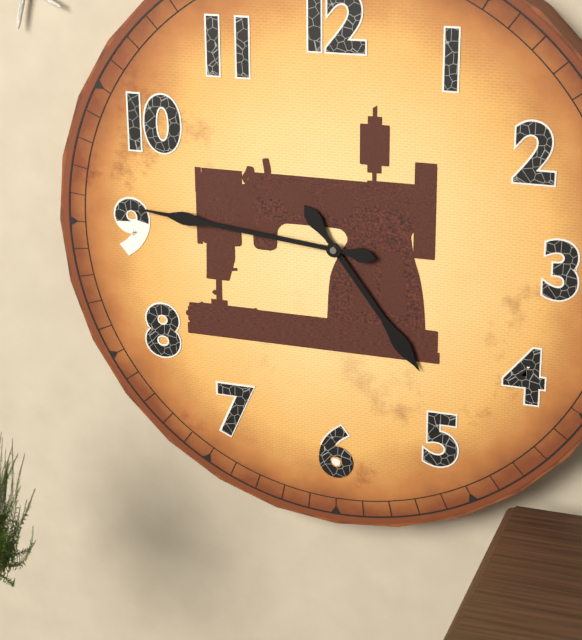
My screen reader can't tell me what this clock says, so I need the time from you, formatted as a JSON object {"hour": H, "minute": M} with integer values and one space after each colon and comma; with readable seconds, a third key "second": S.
{"hour": 4, "minute": 46}
